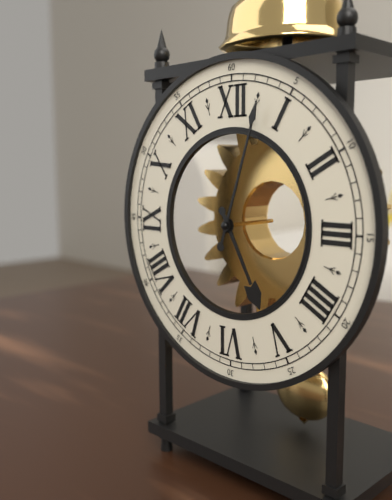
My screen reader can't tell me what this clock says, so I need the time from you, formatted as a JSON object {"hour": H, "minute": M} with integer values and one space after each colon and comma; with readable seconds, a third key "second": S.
{"hour": 5, "minute": 3}
